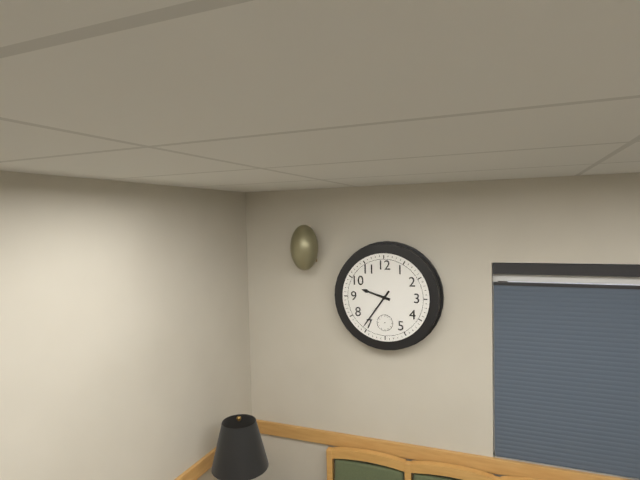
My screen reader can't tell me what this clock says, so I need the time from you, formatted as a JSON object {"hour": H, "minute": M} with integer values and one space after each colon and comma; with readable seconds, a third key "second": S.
{"hour": 9, "minute": 36}
